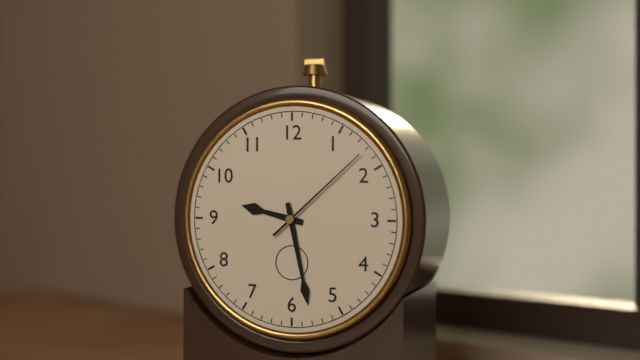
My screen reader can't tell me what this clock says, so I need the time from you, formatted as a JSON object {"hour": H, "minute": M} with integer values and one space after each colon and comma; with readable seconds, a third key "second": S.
{"hour": 9, "minute": 28, "second": 8}
